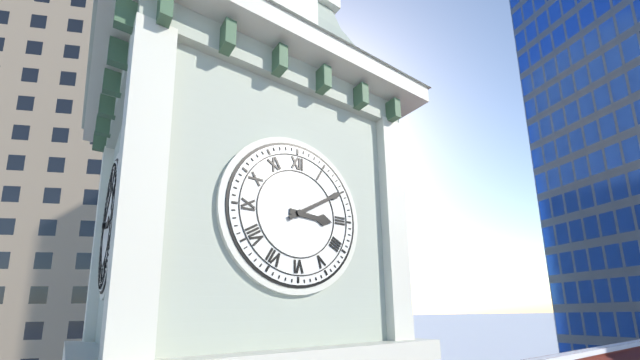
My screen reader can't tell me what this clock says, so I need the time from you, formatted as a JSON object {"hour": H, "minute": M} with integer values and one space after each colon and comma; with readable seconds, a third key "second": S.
{"hour": 3, "minute": 10}
